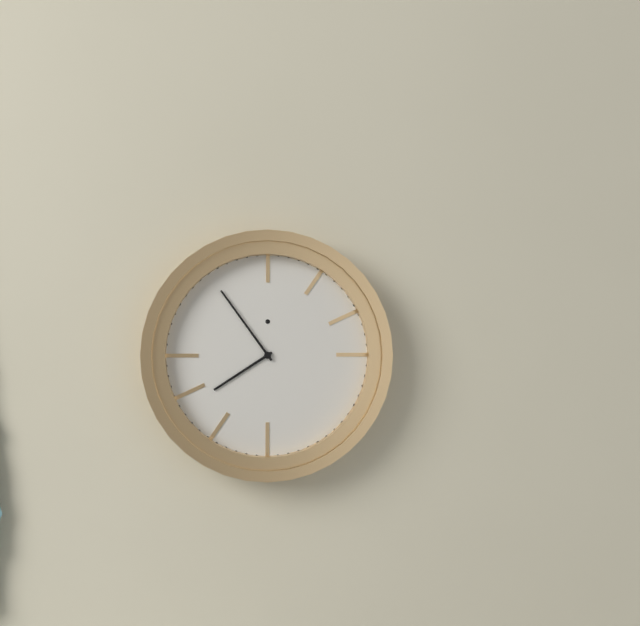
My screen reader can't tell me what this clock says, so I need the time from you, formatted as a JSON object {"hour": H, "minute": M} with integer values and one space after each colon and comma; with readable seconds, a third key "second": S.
{"hour": 7, "minute": 54}
